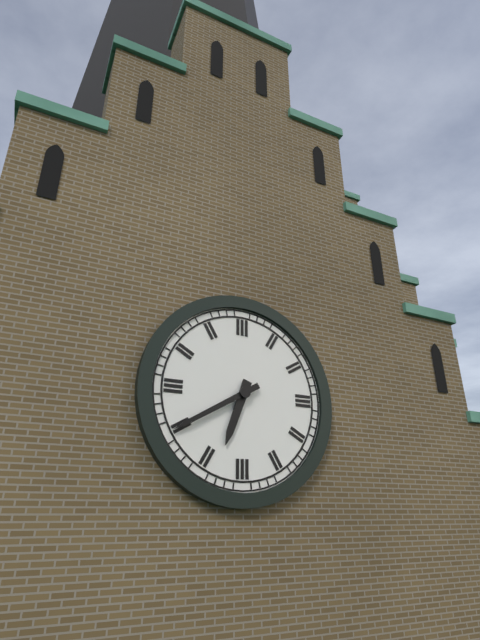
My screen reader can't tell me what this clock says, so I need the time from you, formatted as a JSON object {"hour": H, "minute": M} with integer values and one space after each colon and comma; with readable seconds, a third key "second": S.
{"hour": 6, "minute": 40}
